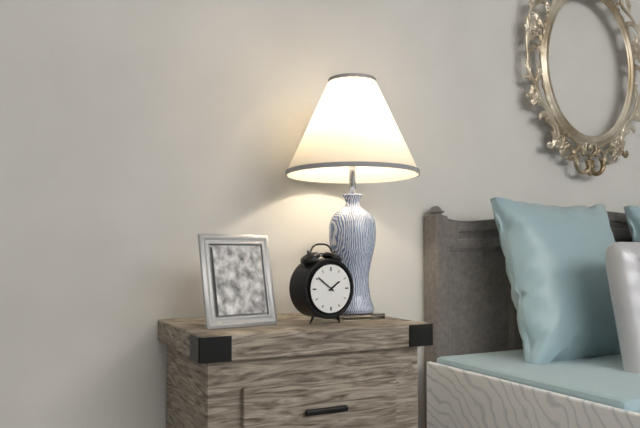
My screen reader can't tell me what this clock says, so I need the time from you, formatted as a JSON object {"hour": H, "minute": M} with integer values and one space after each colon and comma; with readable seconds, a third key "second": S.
{"hour": 1, "minute": 51}
